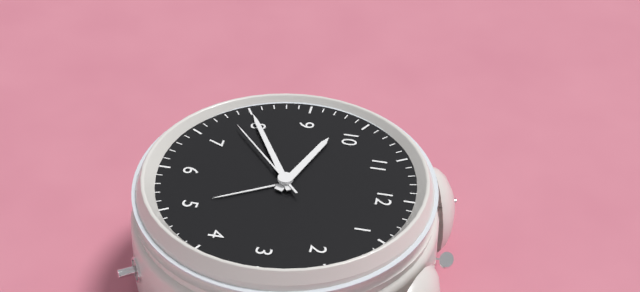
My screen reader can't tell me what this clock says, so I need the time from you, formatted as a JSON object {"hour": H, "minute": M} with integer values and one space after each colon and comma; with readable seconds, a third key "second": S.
{"hour": 9, "minute": 40, "second": 38}
